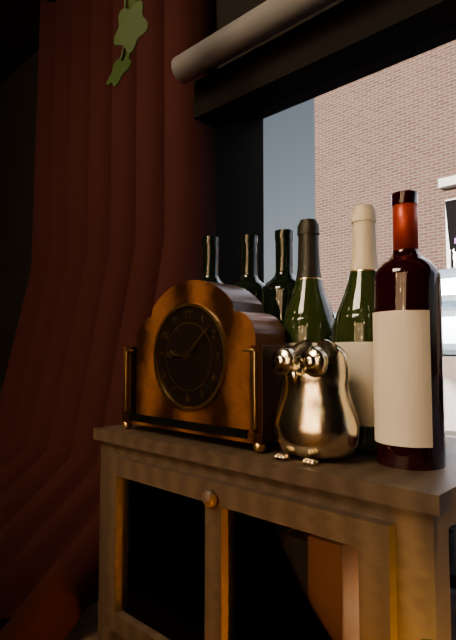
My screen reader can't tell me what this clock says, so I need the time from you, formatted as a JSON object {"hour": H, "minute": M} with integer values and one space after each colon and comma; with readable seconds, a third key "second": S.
{"hour": 9, "minute": 8}
